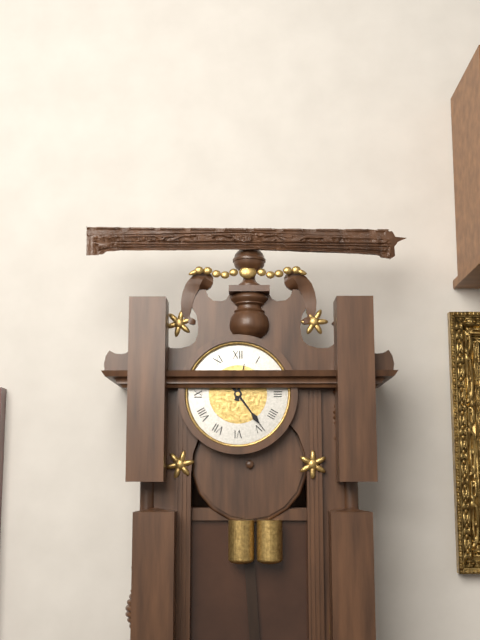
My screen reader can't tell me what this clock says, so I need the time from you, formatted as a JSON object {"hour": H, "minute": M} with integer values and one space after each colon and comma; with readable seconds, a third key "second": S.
{"hour": 12, "minute": 24}
